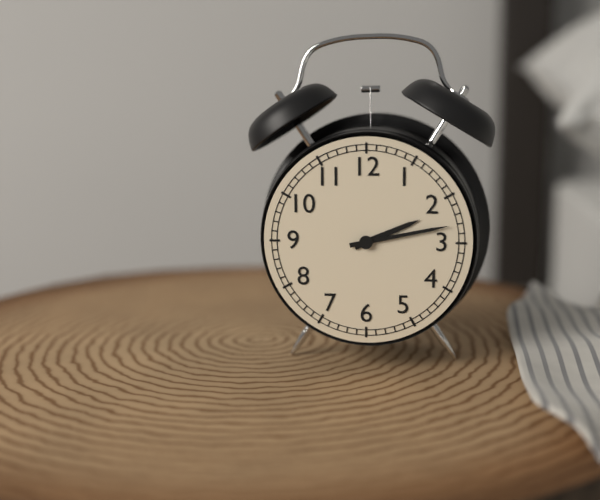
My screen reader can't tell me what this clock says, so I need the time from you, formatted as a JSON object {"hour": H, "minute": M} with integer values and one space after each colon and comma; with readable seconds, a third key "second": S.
{"hour": 2, "minute": 13}
